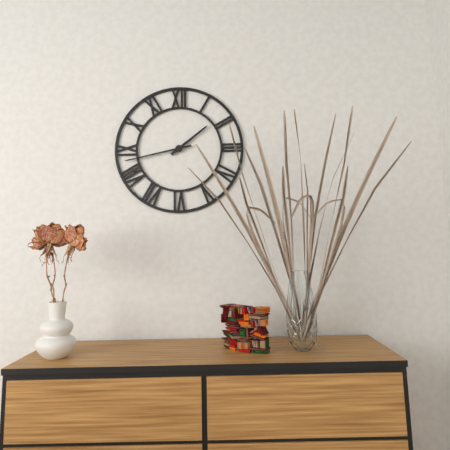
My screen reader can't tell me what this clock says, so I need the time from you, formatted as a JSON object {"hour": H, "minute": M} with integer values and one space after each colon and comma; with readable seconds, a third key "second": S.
{"hour": 1, "minute": 43}
